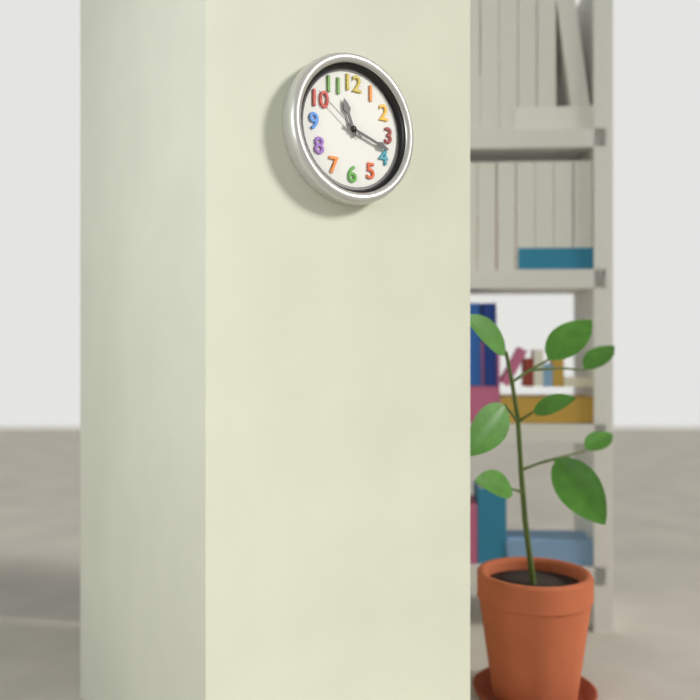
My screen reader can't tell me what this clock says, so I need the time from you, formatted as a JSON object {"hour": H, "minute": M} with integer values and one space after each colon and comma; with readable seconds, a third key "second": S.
{"hour": 11, "minute": 18, "second": 51}
